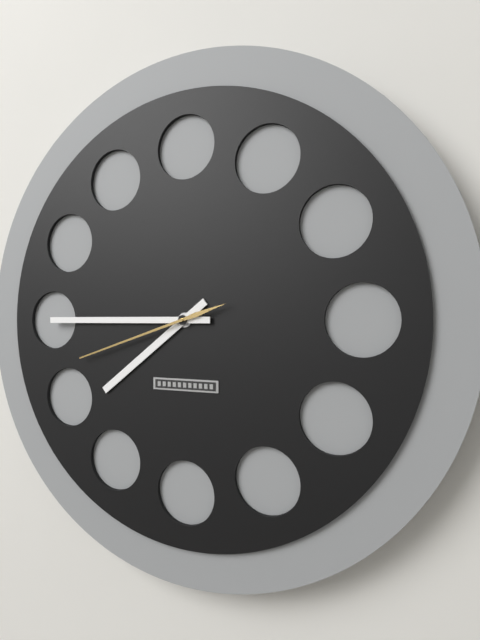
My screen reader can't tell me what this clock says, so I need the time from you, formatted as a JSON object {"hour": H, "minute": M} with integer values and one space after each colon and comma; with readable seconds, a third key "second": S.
{"hour": 7, "minute": 45, "second": 42}
